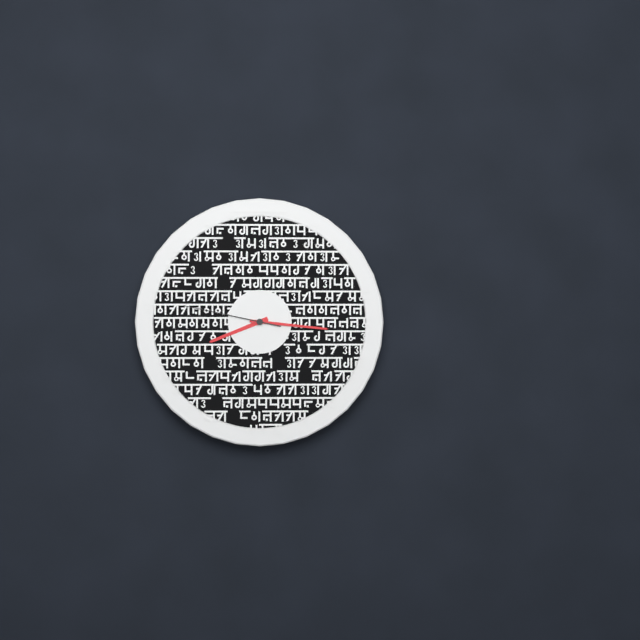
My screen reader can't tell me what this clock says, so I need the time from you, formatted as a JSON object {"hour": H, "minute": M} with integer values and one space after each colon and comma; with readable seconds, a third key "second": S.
{"hour": 8, "minute": 16, "second": 47}
